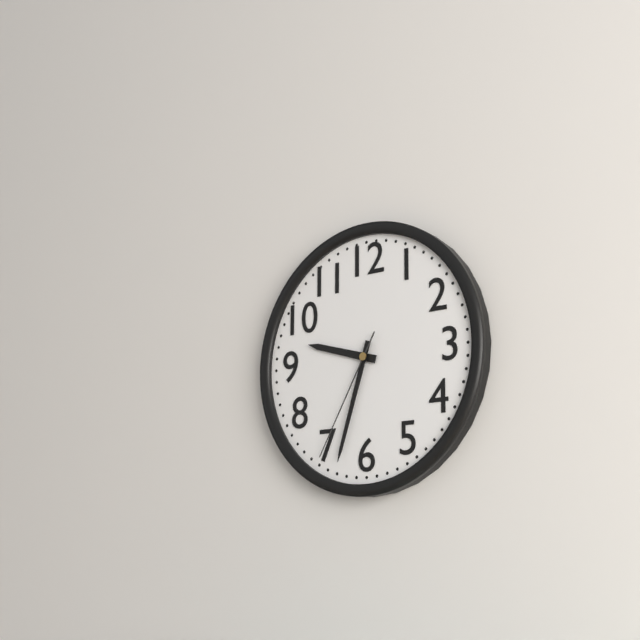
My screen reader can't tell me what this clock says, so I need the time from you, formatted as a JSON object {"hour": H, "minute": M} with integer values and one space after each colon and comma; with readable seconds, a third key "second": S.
{"hour": 9, "minute": 33, "second": 35}
